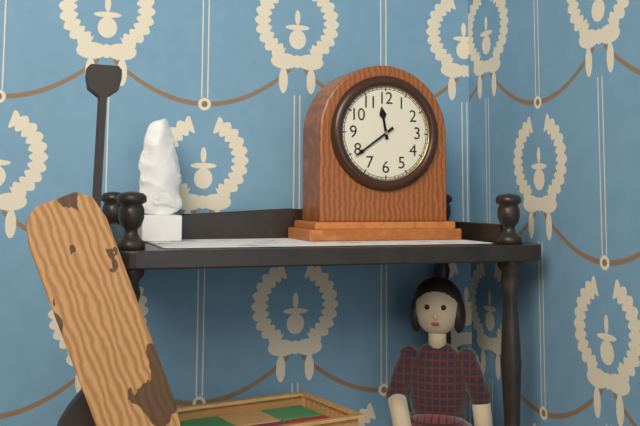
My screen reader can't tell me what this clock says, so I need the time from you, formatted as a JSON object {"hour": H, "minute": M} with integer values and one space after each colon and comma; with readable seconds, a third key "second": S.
{"hour": 11, "minute": 39}
